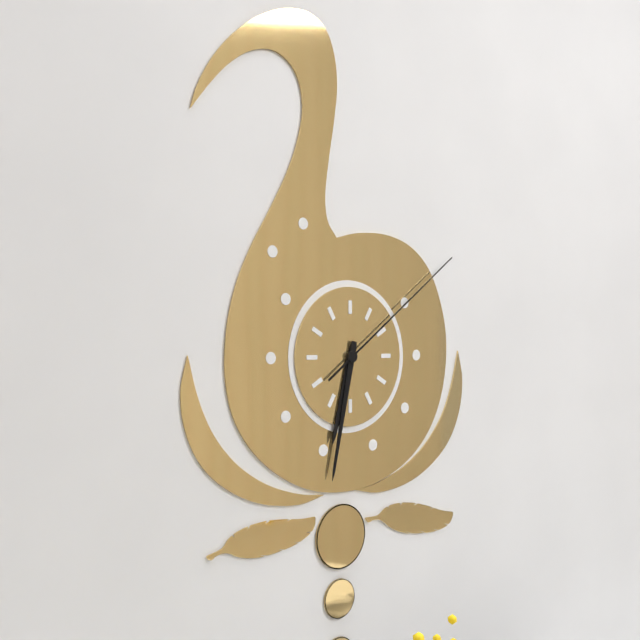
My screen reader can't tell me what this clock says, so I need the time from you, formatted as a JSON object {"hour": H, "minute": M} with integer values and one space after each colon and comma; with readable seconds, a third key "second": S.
{"hour": 6, "minute": 32, "second": 9}
